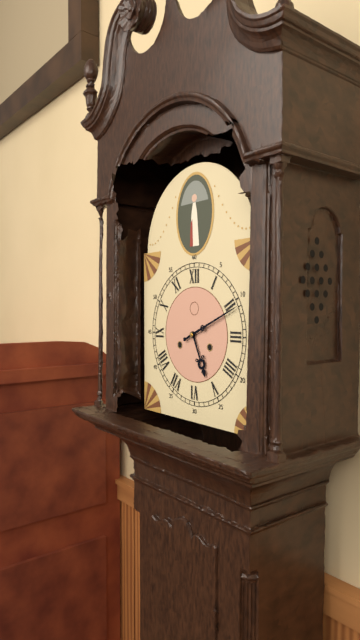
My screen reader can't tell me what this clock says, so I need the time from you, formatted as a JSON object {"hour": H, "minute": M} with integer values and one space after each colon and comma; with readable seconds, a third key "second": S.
{"hour": 5, "minute": 11}
